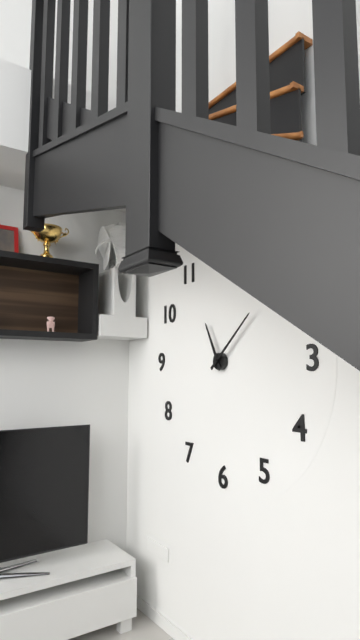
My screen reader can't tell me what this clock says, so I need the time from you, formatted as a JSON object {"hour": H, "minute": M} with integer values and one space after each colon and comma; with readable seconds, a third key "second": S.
{"hour": 11, "minute": 8}
